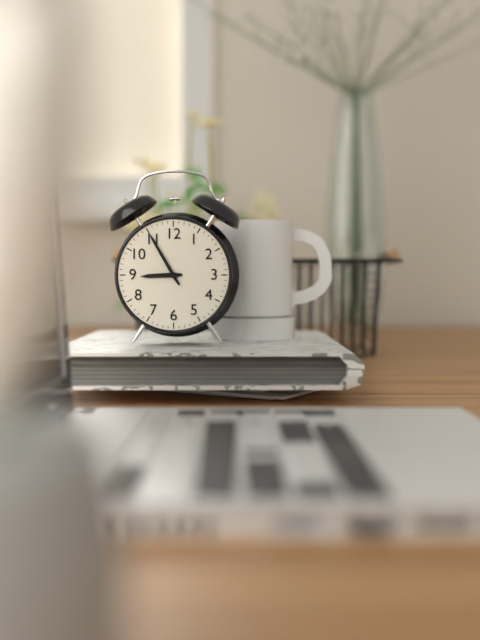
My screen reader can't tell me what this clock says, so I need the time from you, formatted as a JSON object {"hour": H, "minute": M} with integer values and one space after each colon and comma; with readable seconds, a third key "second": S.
{"hour": 8, "minute": 55}
